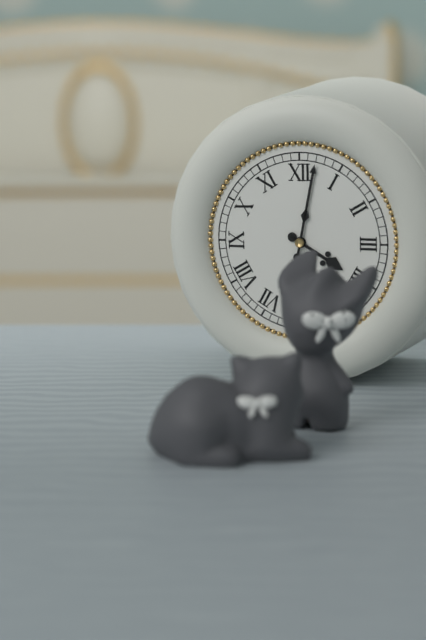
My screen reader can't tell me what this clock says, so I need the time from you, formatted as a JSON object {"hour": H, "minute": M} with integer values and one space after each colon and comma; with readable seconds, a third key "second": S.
{"hour": 4, "minute": 2}
